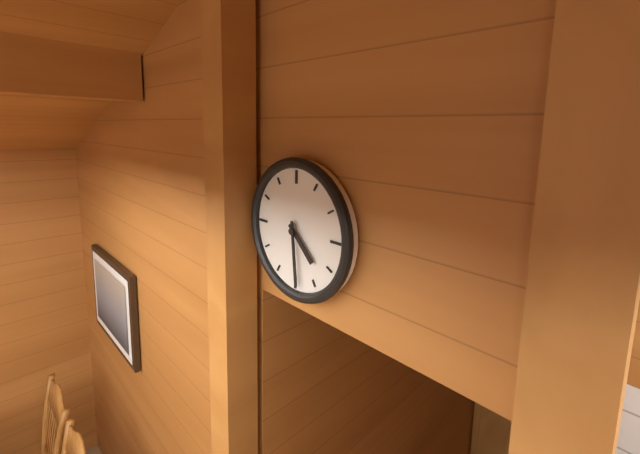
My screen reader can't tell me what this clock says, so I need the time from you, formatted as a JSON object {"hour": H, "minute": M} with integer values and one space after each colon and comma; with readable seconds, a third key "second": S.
{"hour": 4, "minute": 29}
